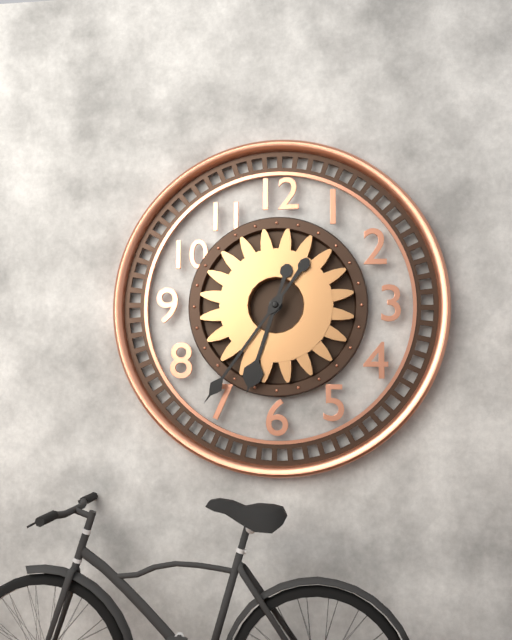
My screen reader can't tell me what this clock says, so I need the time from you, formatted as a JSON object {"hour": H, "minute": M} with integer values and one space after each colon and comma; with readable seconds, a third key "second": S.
{"hour": 6, "minute": 36}
